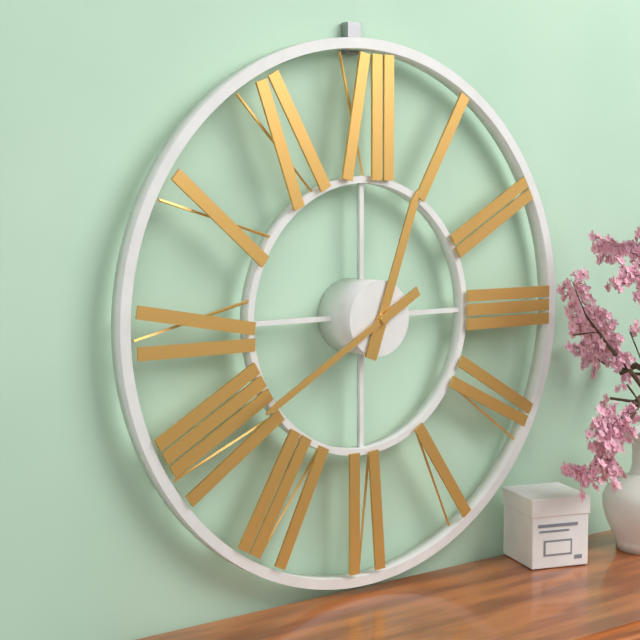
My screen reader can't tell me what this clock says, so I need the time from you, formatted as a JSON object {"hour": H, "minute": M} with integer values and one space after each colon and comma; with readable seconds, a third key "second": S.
{"hour": 12, "minute": 40}
